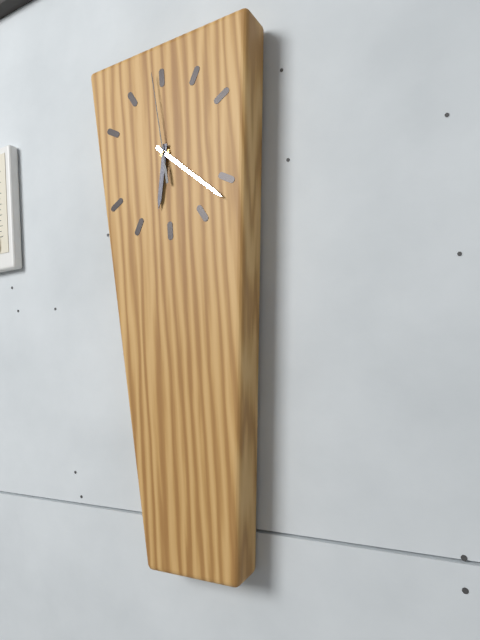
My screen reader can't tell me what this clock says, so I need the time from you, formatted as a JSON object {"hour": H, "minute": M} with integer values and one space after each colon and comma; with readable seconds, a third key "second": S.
{"hour": 6, "minute": 22, "second": 59}
